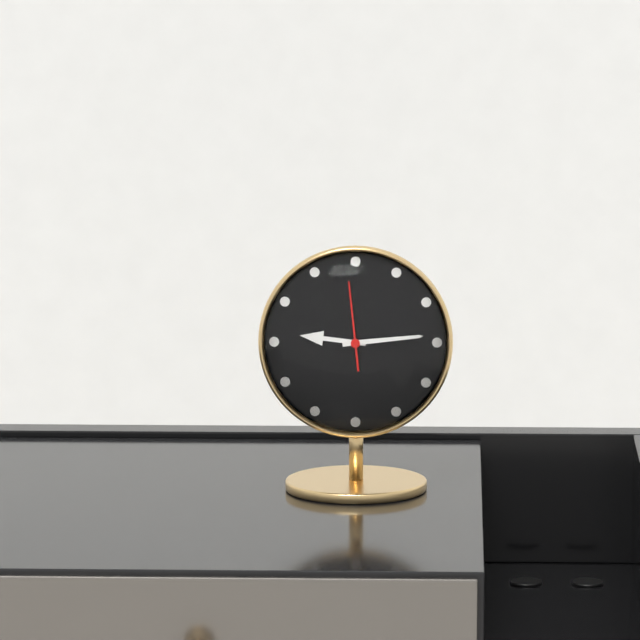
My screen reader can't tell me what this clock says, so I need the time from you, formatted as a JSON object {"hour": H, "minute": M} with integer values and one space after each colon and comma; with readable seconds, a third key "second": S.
{"hour": 9, "minute": 14, "second": 59}
